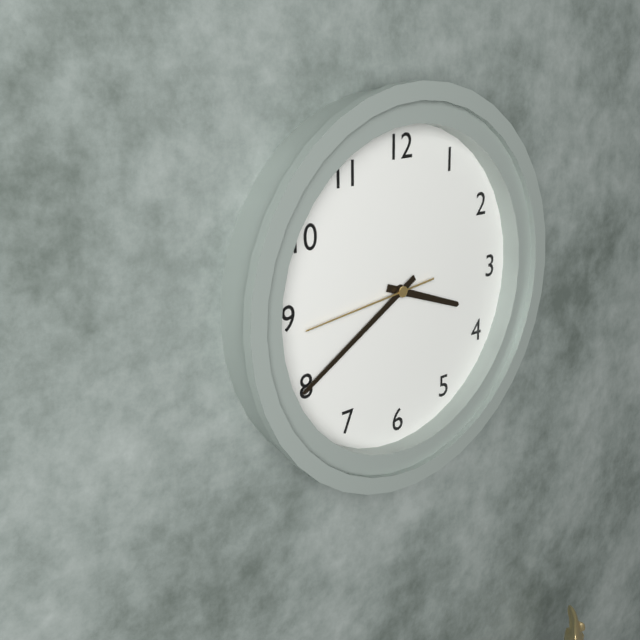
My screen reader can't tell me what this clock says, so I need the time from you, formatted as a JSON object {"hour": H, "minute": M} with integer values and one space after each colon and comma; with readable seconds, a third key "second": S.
{"hour": 3, "minute": 40, "second": 44}
